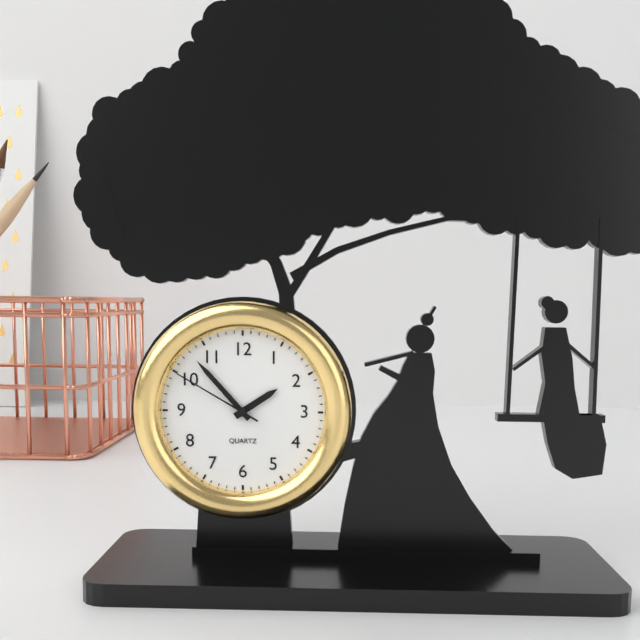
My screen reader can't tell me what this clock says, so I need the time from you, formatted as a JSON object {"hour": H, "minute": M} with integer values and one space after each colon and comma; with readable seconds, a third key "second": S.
{"hour": 1, "minute": 53, "second": 50}
